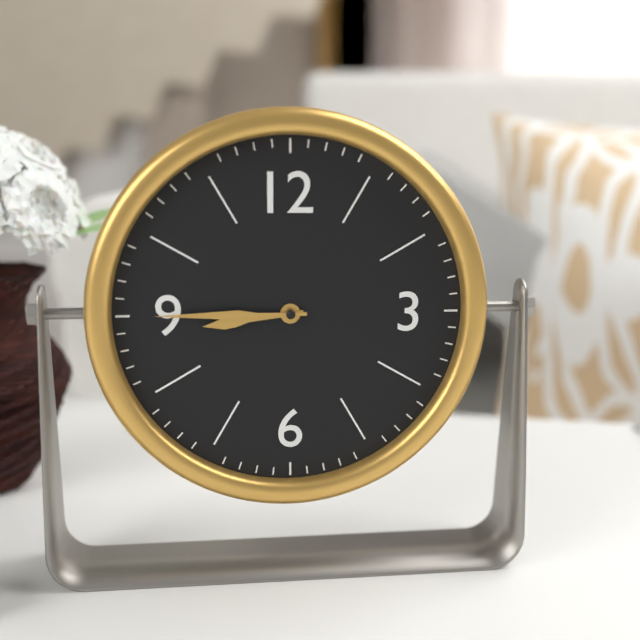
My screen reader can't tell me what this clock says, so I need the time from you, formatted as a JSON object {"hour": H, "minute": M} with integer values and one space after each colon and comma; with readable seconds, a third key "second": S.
{"hour": 8, "minute": 45}
